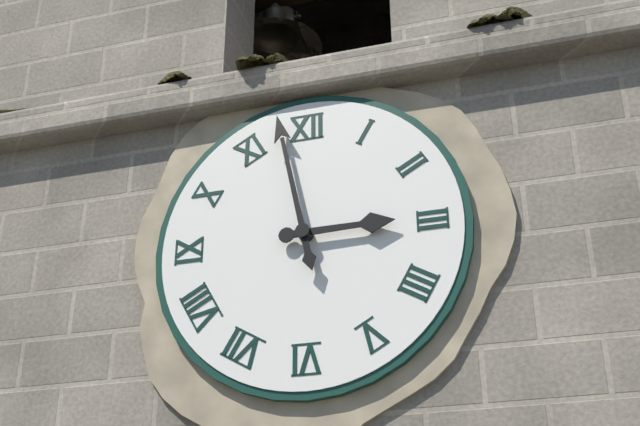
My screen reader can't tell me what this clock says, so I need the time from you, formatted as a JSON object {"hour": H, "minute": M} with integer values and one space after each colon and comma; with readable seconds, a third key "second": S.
{"hour": 2, "minute": 58}
